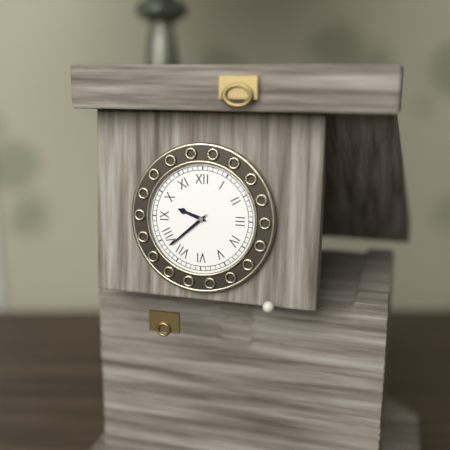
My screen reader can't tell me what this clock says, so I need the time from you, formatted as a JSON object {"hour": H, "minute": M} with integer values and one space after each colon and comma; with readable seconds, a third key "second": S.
{"hour": 9, "minute": 38}
